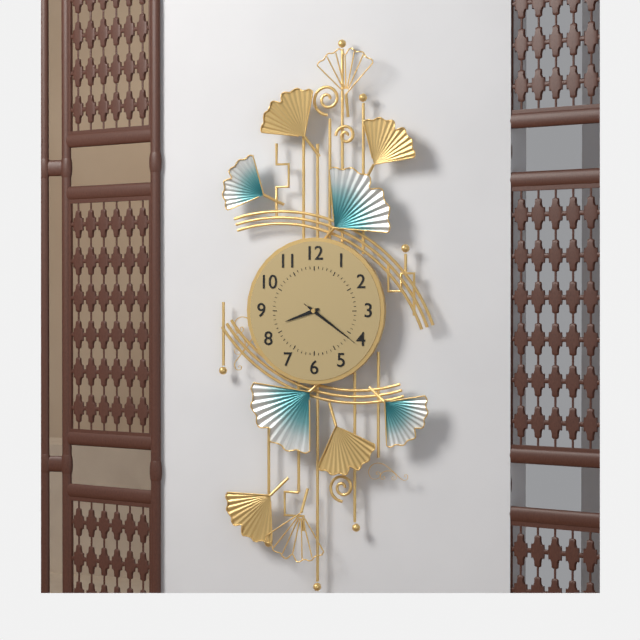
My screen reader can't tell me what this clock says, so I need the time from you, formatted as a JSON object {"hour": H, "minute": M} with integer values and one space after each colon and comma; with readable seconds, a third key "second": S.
{"hour": 8, "minute": 21, "second": 21}
